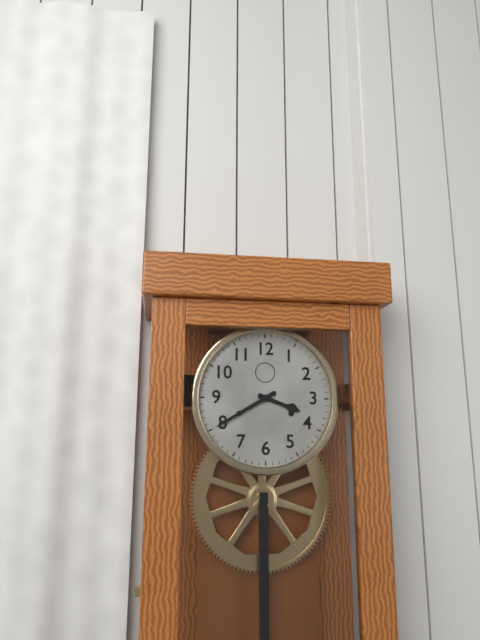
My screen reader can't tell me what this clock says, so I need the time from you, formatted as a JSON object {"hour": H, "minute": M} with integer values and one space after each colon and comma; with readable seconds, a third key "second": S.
{"hour": 3, "minute": 40}
